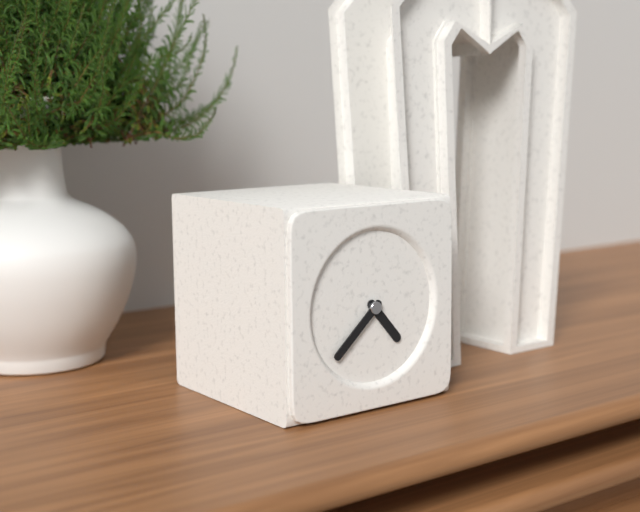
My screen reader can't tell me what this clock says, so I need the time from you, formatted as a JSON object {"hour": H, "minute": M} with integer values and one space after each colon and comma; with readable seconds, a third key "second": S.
{"hour": 4, "minute": 38}
